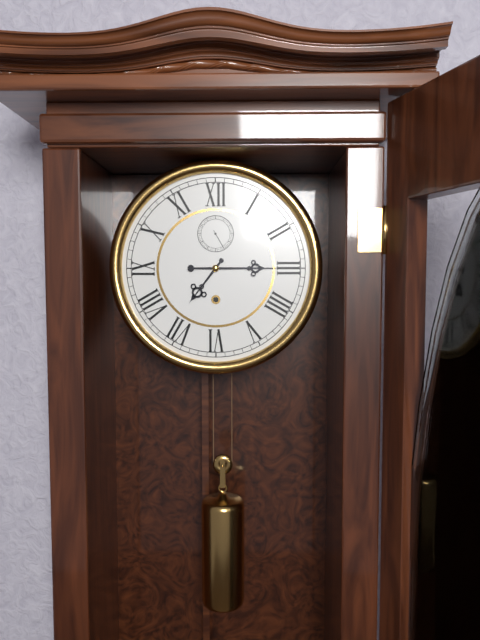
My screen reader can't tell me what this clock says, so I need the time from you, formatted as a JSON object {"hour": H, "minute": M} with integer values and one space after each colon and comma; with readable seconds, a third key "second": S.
{"hour": 7, "minute": 15}
